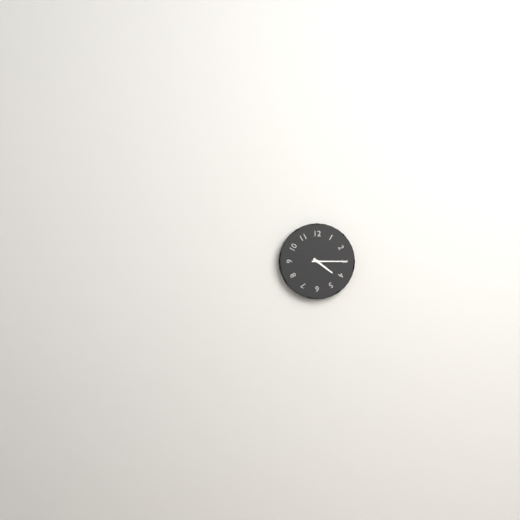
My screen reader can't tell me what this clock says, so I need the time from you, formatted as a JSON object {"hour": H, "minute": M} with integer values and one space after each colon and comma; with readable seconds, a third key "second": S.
{"hour": 4, "minute": 15}
